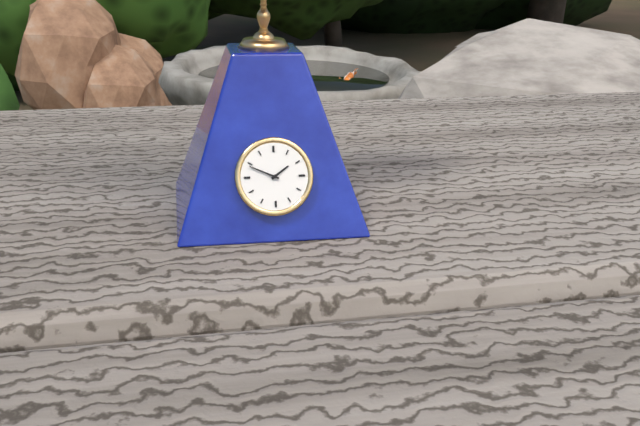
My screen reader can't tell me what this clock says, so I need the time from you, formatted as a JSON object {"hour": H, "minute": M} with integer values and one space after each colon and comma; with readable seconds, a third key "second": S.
{"hour": 1, "minute": 49}
